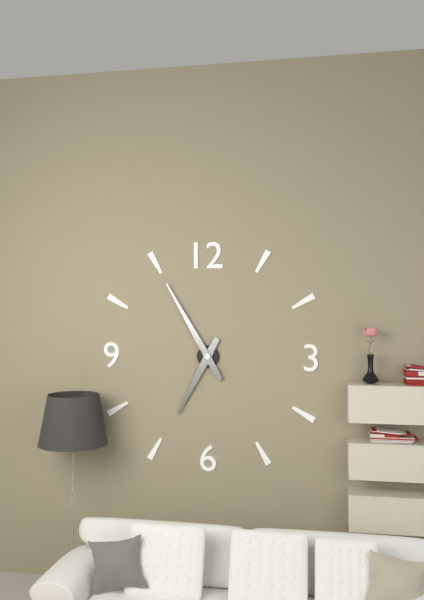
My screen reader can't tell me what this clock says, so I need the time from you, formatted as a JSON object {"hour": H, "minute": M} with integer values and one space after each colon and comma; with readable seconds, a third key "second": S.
{"hour": 6, "minute": 55}
